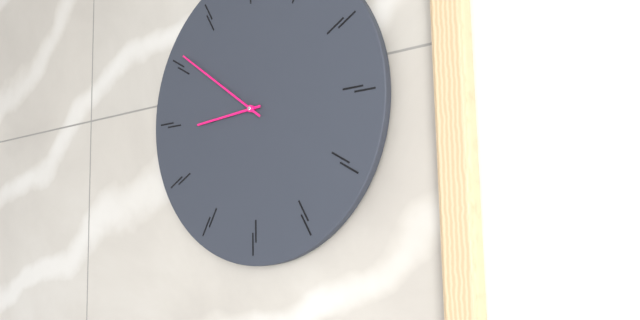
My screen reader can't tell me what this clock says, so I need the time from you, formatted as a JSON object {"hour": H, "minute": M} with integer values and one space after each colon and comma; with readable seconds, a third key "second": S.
{"hour": 8, "minute": 51}
